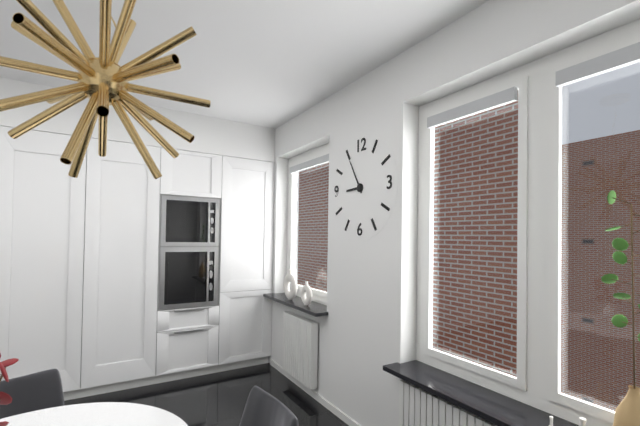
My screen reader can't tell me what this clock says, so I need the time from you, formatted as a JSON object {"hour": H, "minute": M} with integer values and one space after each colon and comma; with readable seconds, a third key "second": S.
{"hour": 8, "minute": 55}
